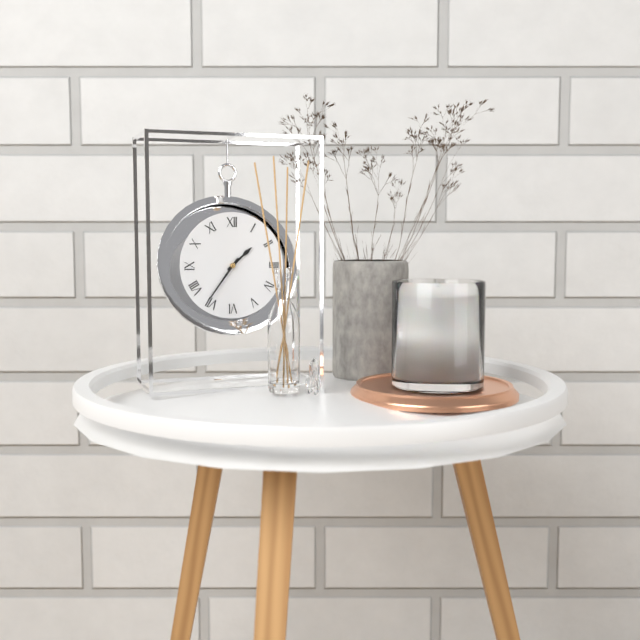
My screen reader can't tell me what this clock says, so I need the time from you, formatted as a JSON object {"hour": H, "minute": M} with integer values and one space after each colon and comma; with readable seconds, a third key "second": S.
{"hour": 1, "minute": 36}
